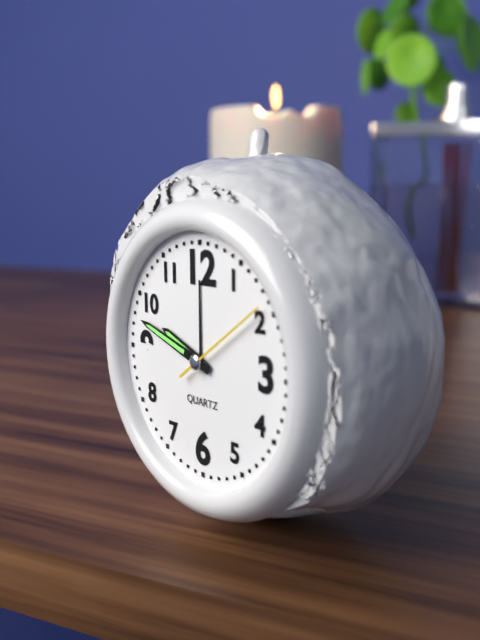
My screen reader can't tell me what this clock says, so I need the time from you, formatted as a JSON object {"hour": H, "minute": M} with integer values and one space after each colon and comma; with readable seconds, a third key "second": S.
{"hour": 9, "minute": 48, "second": 9}
